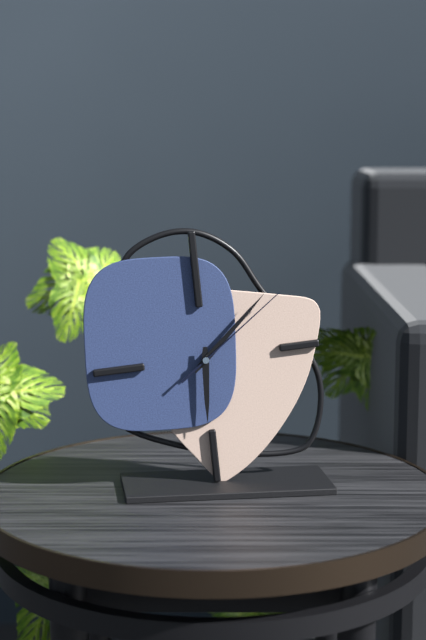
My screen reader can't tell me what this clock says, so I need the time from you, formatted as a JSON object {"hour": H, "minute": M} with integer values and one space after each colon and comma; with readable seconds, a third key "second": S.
{"hour": 6, "minute": 8, "second": 9}
